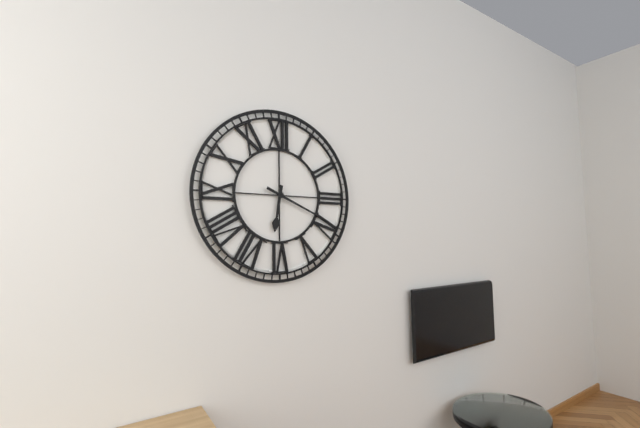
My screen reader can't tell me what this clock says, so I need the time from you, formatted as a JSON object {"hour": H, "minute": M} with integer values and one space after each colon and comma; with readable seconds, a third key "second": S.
{"hour": 6, "minute": 19}
